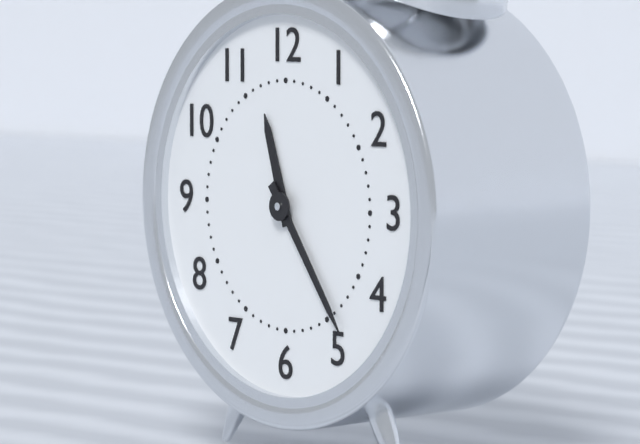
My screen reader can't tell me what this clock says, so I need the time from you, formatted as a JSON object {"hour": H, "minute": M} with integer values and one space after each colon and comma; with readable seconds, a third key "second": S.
{"hour": 11, "minute": 24}
